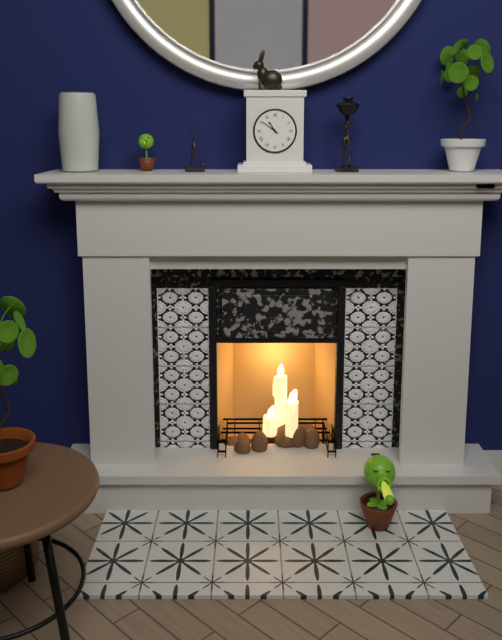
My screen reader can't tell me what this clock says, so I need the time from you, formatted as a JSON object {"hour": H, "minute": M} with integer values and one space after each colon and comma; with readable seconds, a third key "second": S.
{"hour": 10, "minute": 51}
